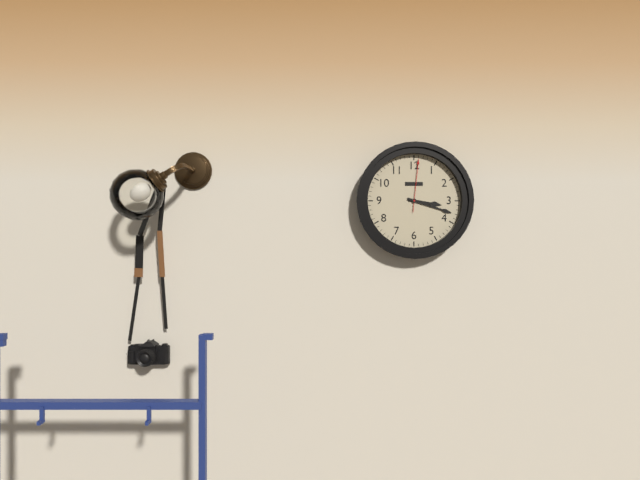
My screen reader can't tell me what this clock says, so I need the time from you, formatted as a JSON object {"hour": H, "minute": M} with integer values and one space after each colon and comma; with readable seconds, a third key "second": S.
{"hour": 3, "minute": 18, "second": 1}
